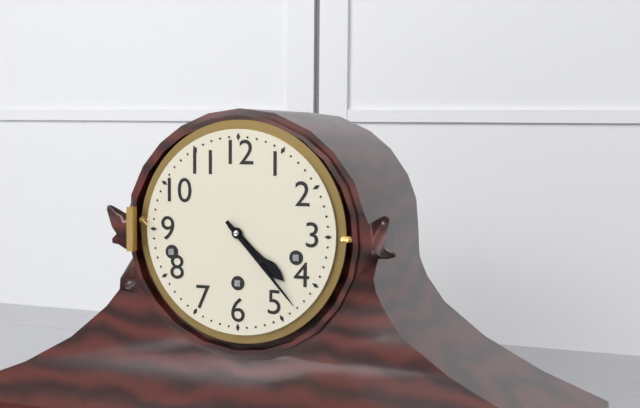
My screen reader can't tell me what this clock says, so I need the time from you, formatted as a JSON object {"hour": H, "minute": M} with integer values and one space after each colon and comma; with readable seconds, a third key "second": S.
{"hour": 4, "minute": 23}
